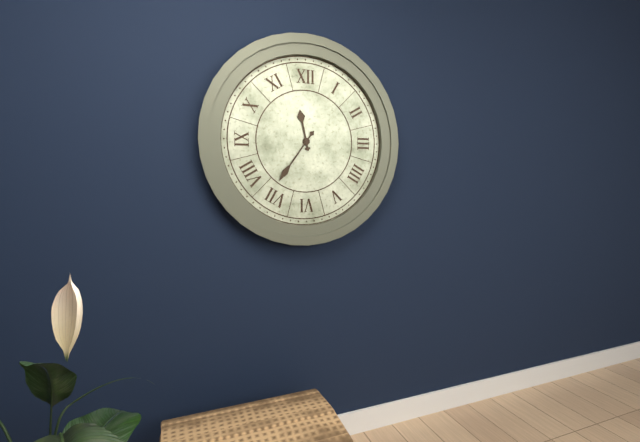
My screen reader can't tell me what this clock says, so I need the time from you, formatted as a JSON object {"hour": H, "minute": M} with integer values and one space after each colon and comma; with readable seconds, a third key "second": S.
{"hour": 11, "minute": 36}
